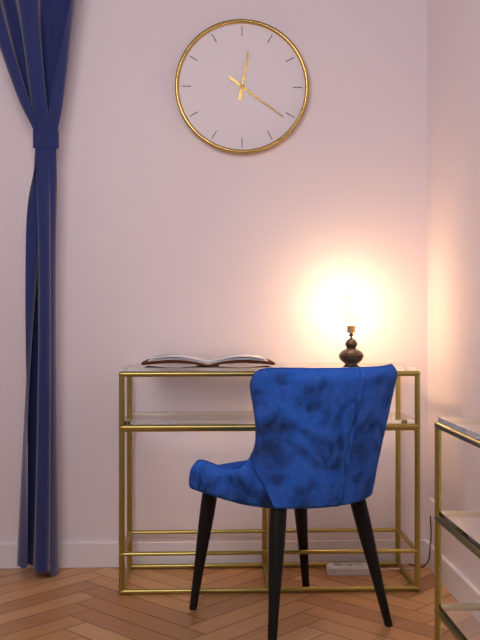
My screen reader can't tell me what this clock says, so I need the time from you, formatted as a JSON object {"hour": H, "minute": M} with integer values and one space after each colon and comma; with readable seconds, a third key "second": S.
{"hour": 12, "minute": 21}
